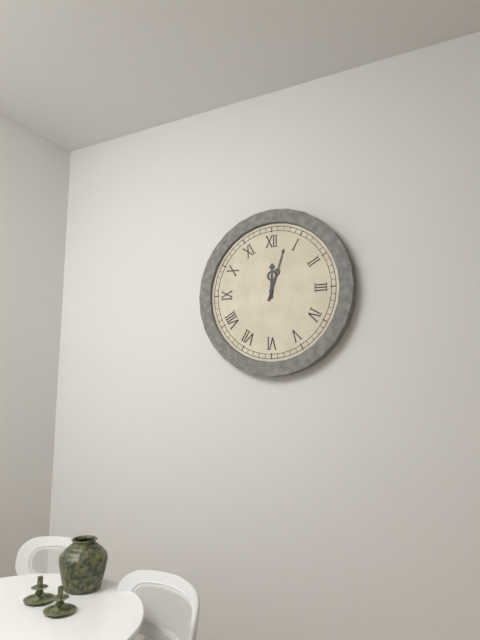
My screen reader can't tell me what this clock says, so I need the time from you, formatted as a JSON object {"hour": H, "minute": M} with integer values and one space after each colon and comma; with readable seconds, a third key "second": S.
{"hour": 12, "minute": 3}
